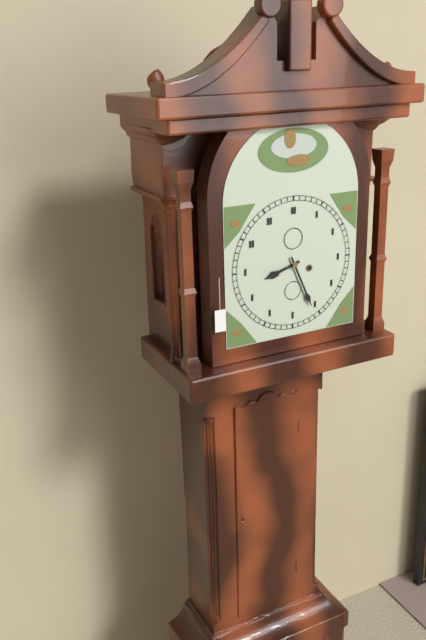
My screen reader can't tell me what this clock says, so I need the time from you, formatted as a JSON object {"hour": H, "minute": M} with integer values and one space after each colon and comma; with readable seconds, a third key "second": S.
{"hour": 8, "minute": 26}
